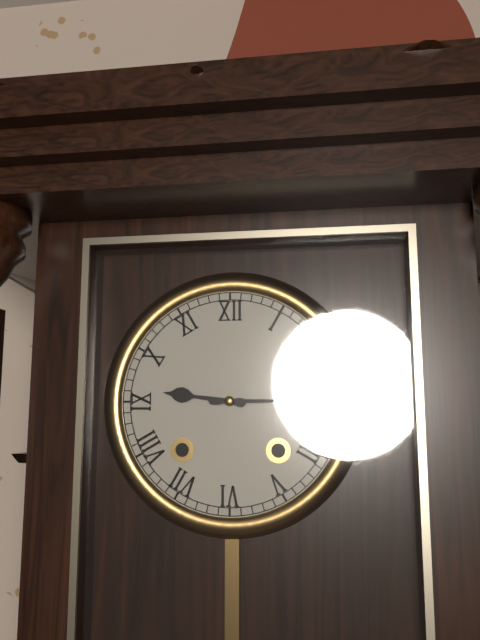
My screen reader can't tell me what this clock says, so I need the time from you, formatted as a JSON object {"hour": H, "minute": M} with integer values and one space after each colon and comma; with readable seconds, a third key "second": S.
{"hour": 9, "minute": 15}
